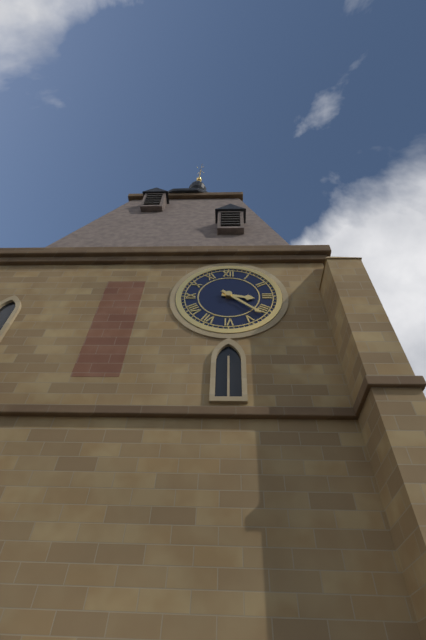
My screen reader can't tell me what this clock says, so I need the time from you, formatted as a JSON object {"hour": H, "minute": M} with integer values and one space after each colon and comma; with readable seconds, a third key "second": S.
{"hour": 3, "minute": 22}
